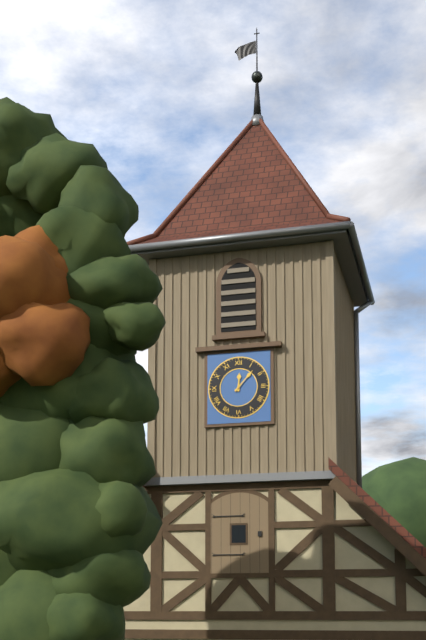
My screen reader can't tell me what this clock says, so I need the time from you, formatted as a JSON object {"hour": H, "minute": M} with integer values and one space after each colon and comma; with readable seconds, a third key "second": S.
{"hour": 12, "minute": 7}
